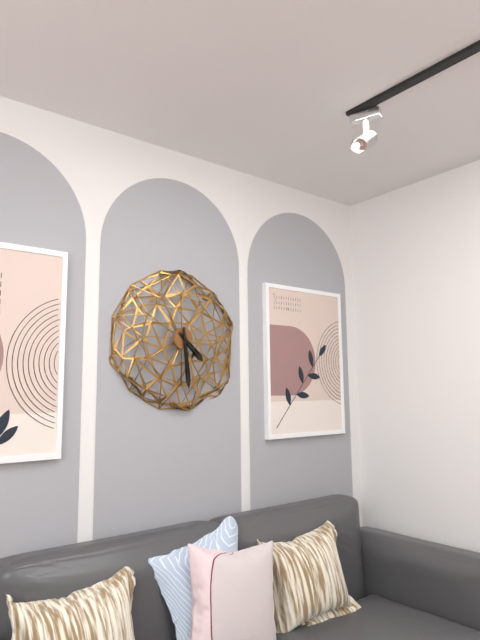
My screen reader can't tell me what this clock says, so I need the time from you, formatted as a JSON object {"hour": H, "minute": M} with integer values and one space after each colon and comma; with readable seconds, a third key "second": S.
{"hour": 4, "minute": 29}
